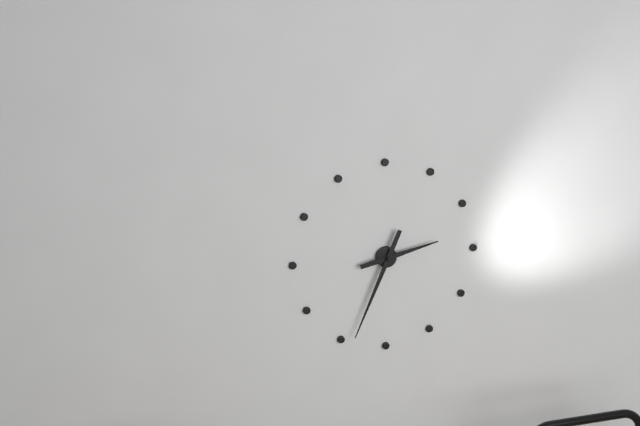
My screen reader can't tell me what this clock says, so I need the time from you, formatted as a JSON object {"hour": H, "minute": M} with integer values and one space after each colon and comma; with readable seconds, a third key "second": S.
{"hour": 2, "minute": 34}
